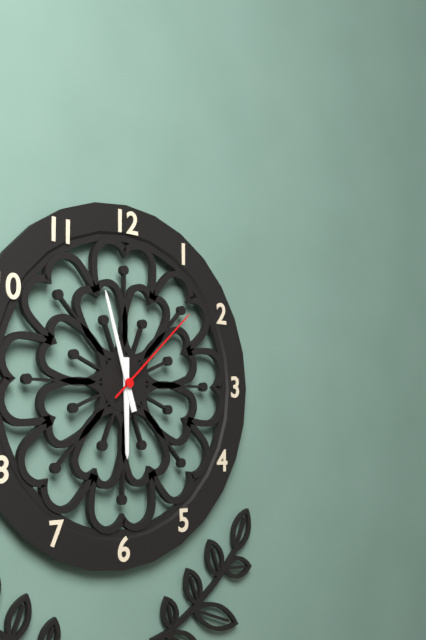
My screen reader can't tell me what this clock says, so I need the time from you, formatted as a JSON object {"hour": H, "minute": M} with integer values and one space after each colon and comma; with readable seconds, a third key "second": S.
{"hour": 5, "minute": 57, "second": 8}
